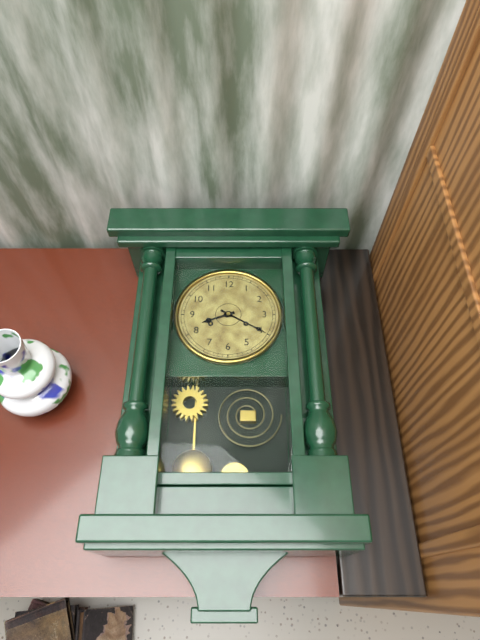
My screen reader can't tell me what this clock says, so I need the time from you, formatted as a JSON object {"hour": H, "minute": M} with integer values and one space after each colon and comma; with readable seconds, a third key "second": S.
{"hour": 8, "minute": 20}
